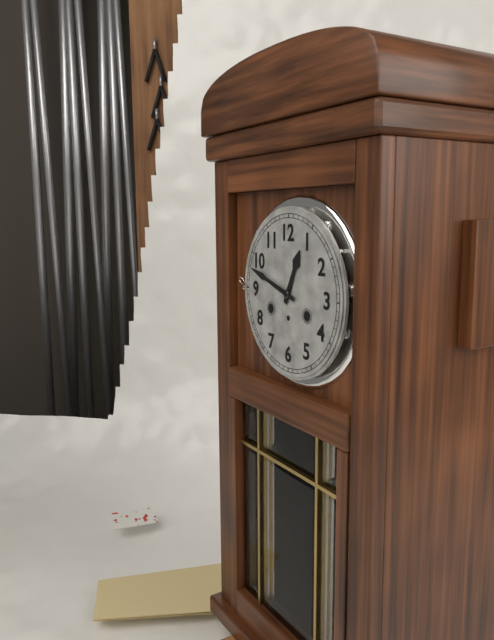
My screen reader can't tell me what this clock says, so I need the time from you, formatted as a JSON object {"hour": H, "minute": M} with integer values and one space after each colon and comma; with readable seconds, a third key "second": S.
{"hour": 12, "minute": 48}
